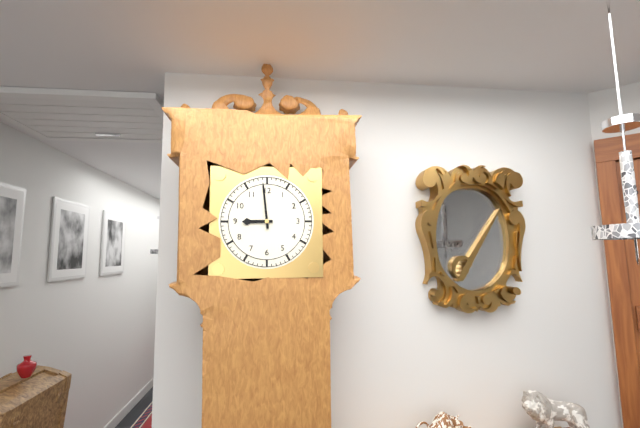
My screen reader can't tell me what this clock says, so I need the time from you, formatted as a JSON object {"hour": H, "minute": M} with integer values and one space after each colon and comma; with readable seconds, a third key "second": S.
{"hour": 8, "minute": 59}
